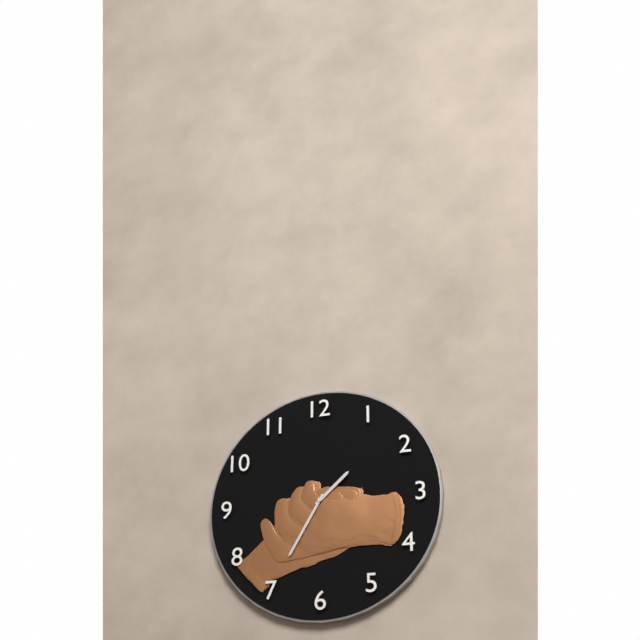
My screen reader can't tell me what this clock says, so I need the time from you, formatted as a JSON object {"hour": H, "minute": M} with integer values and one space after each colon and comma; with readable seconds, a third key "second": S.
{"hour": 1, "minute": 35}
